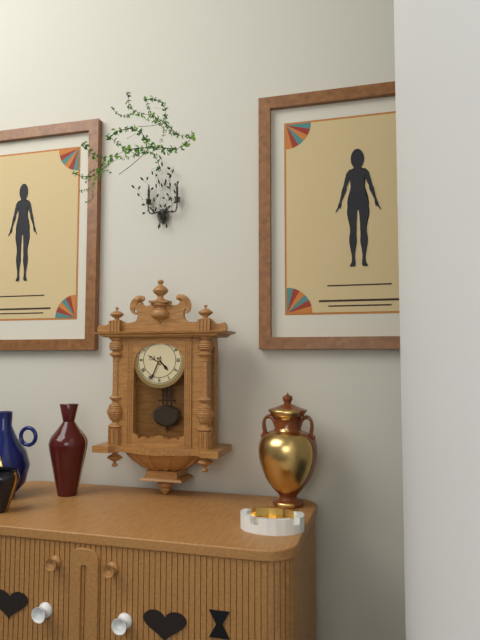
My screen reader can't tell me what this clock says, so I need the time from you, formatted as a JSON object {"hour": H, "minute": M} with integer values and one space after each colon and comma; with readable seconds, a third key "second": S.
{"hour": 4, "minute": 34}
